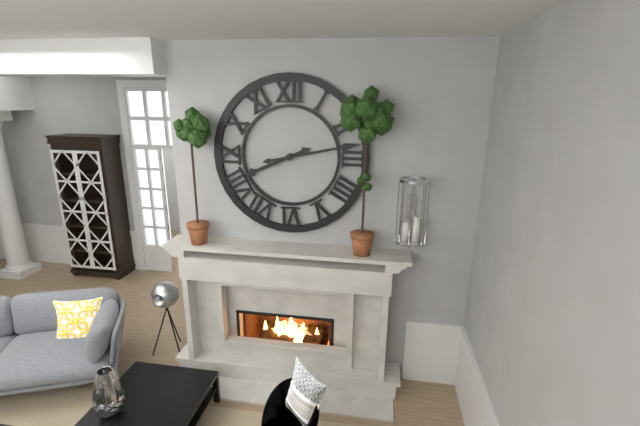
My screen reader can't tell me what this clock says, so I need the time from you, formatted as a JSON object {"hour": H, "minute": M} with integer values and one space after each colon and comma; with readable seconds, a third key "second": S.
{"hour": 8, "minute": 13}
